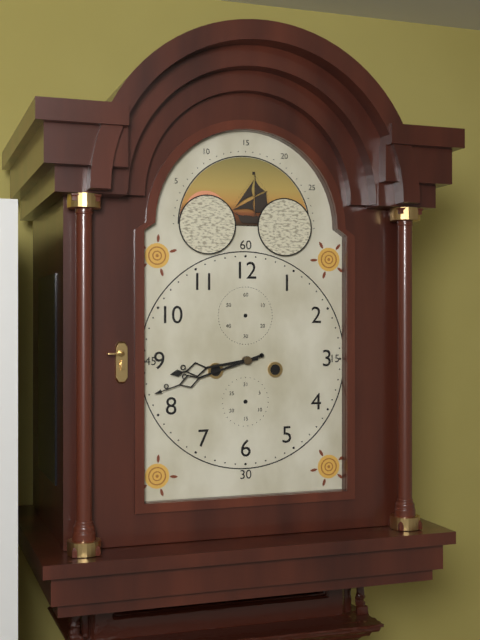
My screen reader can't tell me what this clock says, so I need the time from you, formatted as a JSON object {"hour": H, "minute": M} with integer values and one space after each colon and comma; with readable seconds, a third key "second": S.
{"hour": 8, "minute": 42}
